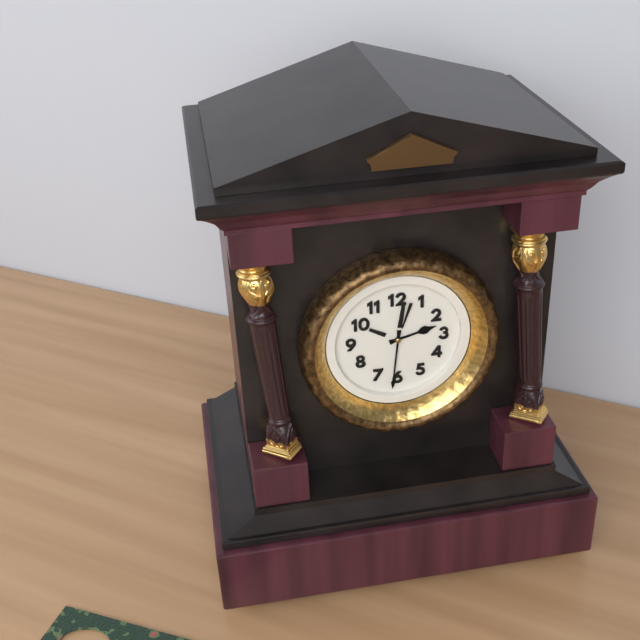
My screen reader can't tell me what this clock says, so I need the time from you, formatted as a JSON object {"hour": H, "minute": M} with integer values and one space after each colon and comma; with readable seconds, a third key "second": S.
{"hour": 2, "minute": 31}
